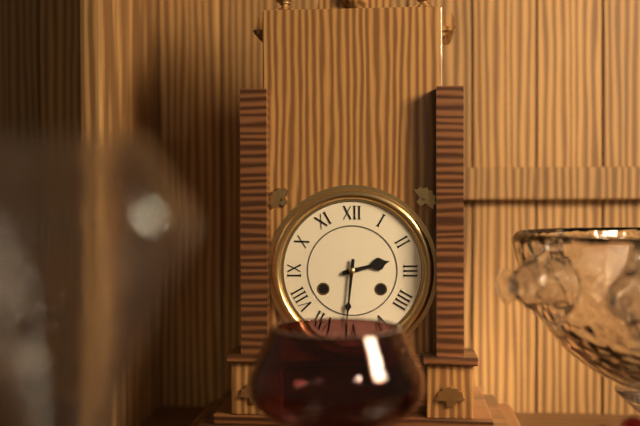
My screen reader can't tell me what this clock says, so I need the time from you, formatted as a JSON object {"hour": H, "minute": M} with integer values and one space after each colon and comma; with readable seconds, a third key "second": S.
{"hour": 2, "minute": 31}
